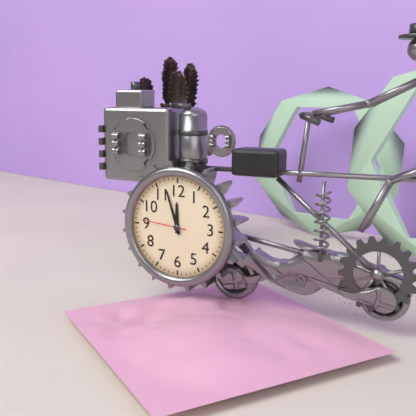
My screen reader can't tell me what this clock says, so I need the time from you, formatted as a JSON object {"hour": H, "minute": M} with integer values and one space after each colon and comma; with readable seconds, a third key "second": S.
{"hour": 11, "minute": 57}
